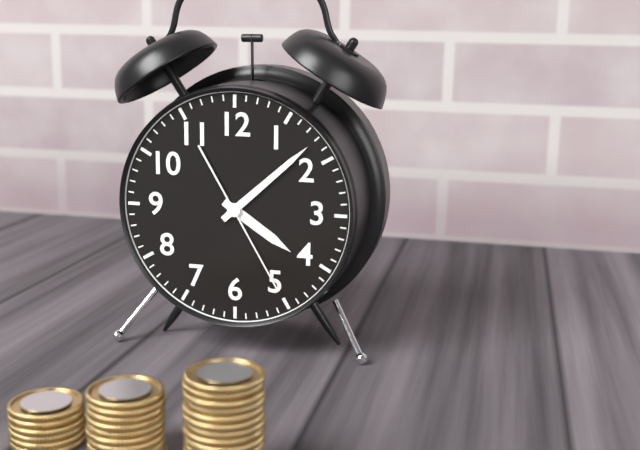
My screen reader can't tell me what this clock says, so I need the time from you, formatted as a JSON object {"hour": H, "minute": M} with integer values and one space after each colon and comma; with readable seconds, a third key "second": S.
{"hour": 4, "minute": 8, "second": 25}
